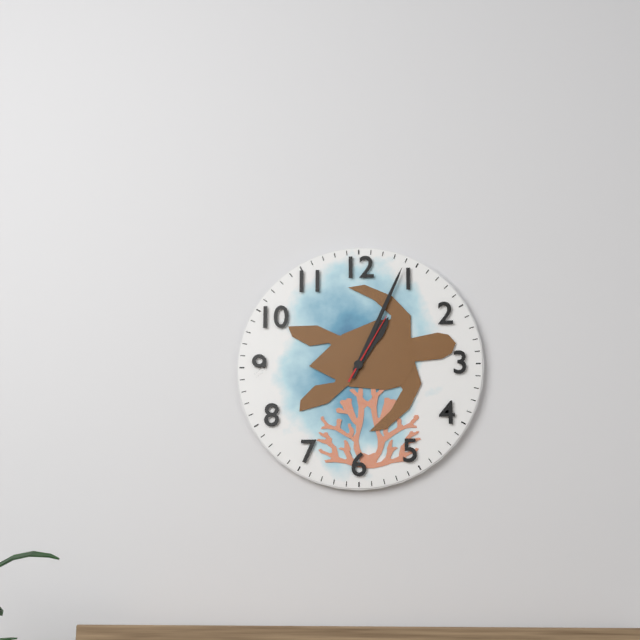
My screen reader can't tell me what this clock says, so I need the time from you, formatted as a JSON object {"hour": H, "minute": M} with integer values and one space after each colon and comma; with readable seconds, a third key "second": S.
{"hour": 1, "minute": 4, "second": 5}
